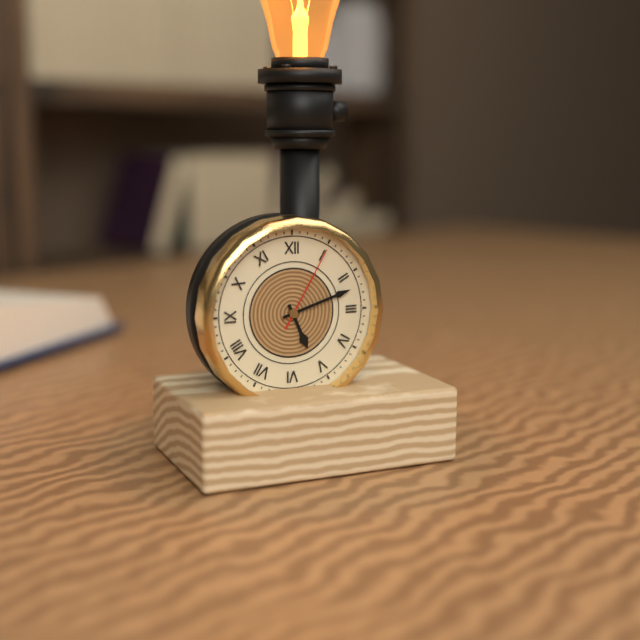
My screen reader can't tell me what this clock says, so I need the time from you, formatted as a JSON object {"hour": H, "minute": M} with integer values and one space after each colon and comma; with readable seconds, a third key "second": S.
{"hour": 5, "minute": 12, "second": 5}
